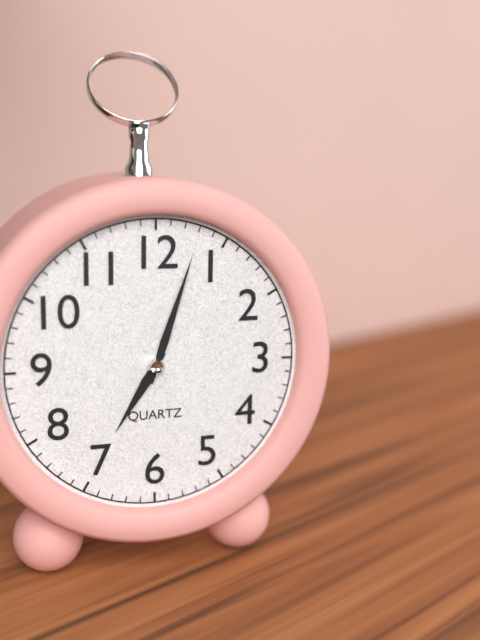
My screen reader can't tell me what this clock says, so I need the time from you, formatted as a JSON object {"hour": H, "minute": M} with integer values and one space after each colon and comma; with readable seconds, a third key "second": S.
{"hour": 7, "minute": 3}
